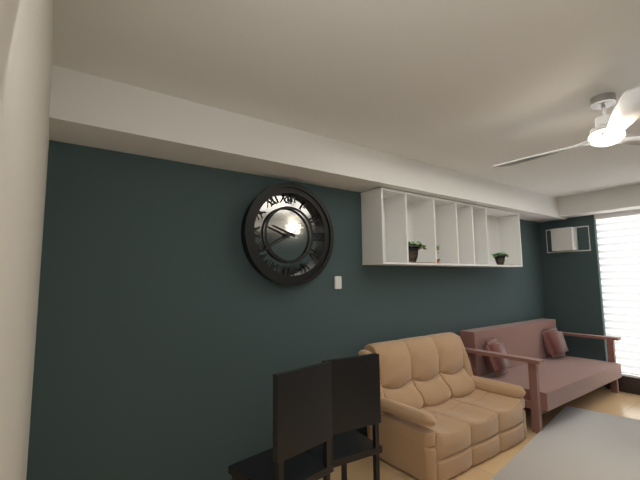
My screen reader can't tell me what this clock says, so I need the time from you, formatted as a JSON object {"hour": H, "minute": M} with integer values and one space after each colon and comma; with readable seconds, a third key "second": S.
{"hour": 9, "minute": 40}
